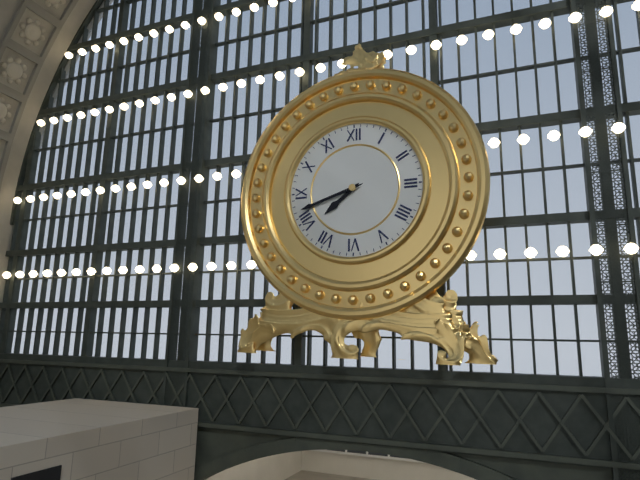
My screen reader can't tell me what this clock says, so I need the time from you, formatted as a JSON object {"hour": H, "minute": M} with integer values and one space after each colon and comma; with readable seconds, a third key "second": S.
{"hour": 7, "minute": 42}
